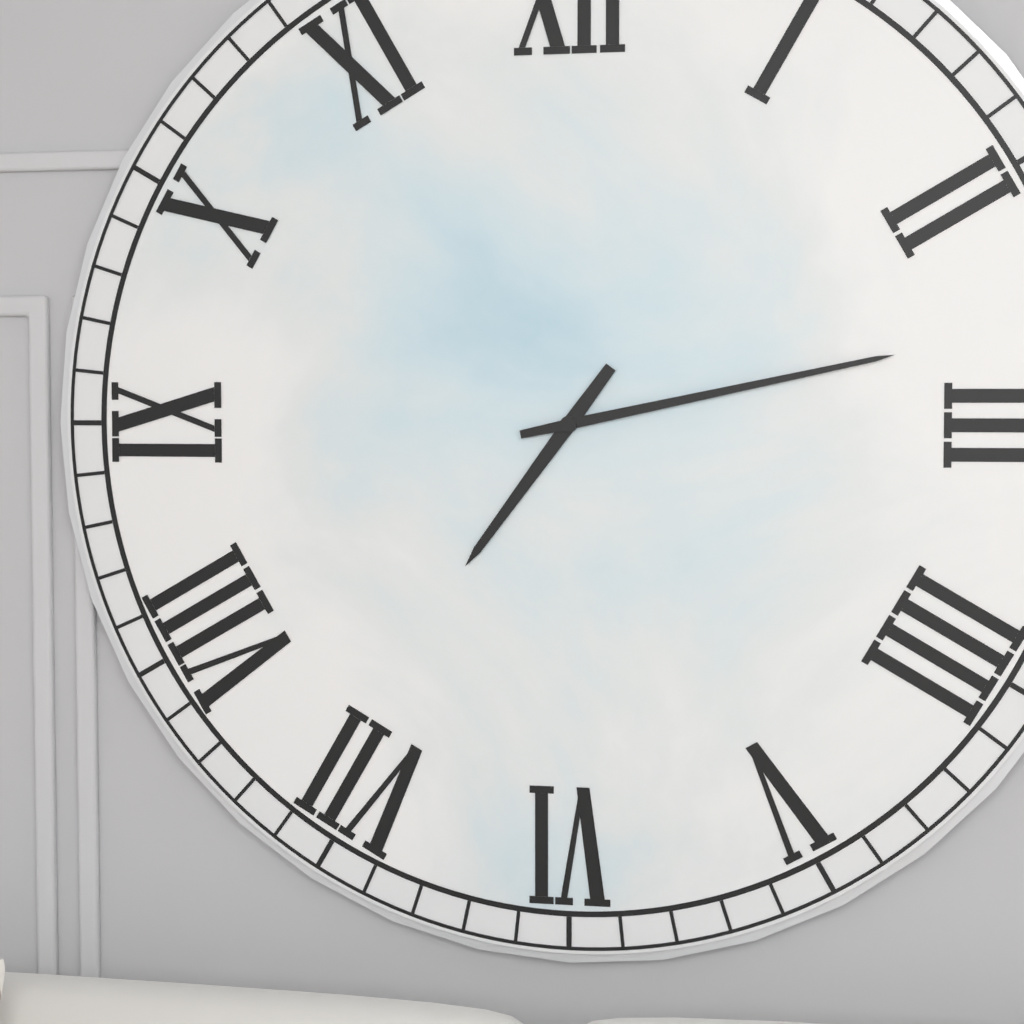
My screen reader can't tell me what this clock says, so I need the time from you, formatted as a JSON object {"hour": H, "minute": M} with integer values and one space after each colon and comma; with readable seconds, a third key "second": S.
{"hour": 7, "minute": 13}
